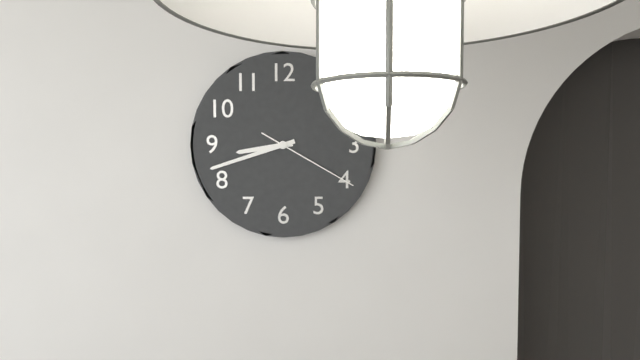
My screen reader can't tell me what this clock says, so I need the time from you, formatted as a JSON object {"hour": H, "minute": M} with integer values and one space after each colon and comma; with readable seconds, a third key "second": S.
{"hour": 8, "minute": 42, "second": 20}
